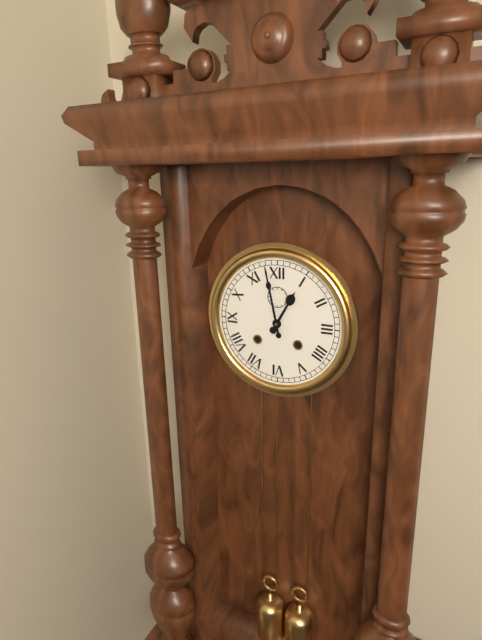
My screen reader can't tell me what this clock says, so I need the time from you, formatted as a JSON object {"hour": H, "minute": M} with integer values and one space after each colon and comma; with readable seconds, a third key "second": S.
{"hour": 12, "minute": 58}
